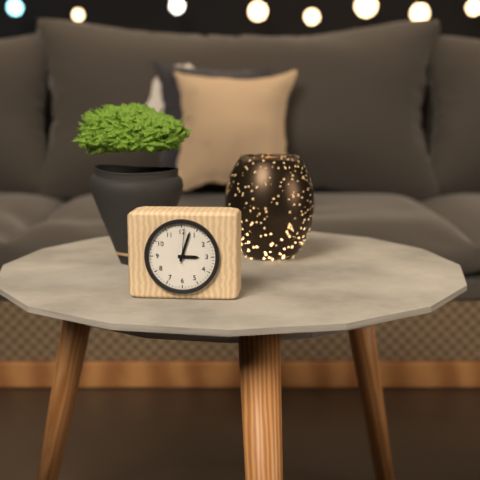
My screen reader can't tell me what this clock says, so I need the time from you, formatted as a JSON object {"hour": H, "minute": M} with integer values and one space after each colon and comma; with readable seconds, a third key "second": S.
{"hour": 3, "minute": 3}
